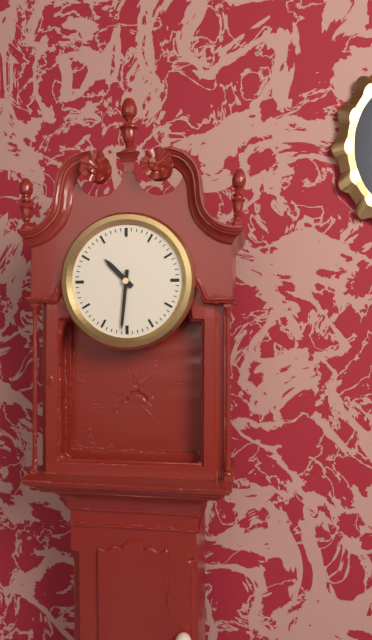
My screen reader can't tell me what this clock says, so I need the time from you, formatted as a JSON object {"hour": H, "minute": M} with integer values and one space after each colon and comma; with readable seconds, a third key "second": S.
{"hour": 10, "minute": 31}
